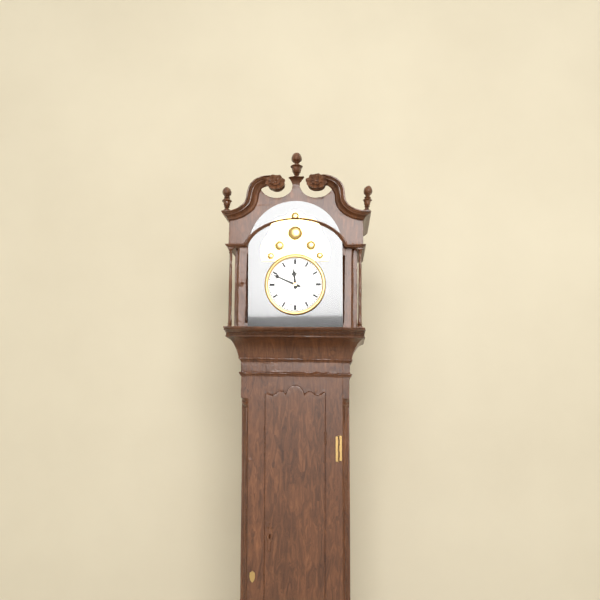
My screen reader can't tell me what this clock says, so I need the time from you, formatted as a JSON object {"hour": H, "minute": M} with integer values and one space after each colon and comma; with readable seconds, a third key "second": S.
{"hour": 11, "minute": 49}
